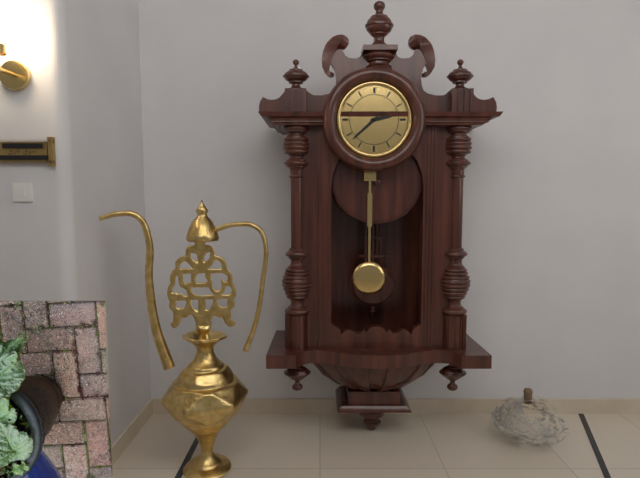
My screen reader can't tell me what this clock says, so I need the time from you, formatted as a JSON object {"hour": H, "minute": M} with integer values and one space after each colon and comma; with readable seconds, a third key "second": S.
{"hour": 2, "minute": 38}
